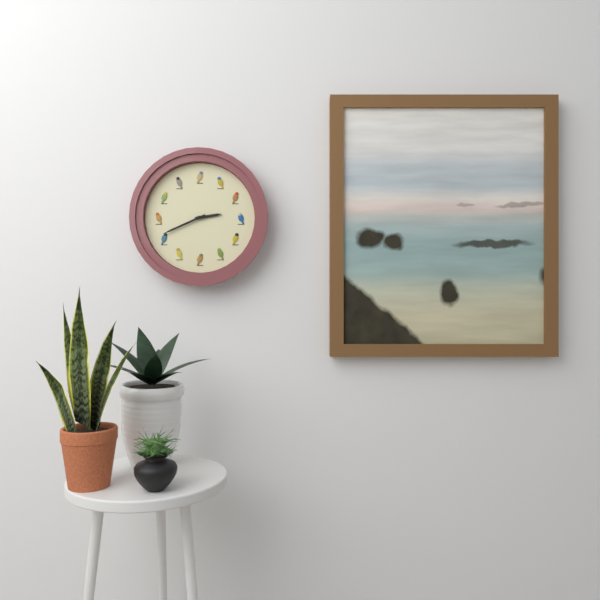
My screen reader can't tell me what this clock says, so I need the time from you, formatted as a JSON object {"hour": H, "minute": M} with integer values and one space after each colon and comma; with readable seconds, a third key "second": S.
{"hour": 2, "minute": 41}
